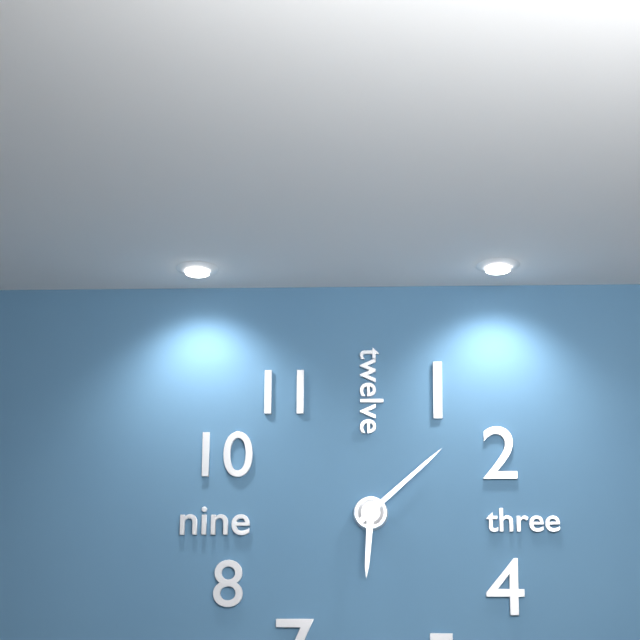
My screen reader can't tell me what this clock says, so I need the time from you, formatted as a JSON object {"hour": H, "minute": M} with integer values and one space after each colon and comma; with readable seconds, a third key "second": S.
{"hour": 6, "minute": 8}
